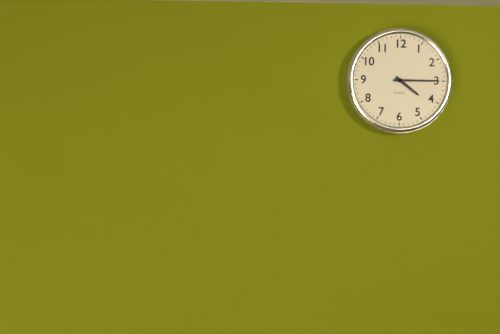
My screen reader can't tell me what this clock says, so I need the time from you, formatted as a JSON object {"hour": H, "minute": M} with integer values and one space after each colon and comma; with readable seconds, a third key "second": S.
{"hour": 4, "minute": 15}
